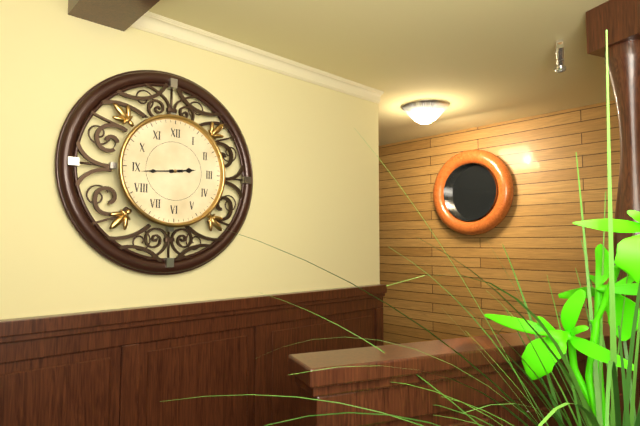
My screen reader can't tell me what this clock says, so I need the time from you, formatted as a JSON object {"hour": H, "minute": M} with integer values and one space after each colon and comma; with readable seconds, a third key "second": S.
{"hour": 2, "minute": 44}
